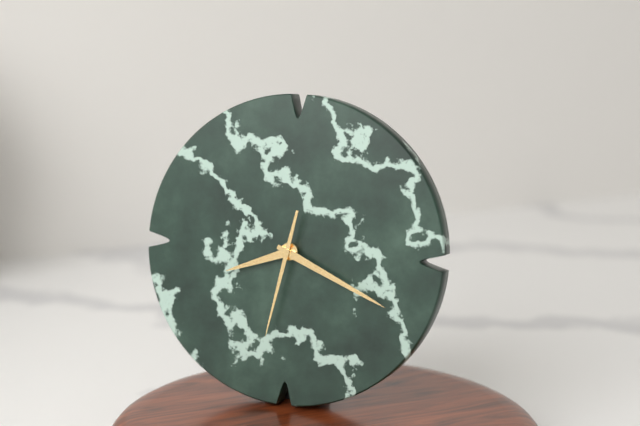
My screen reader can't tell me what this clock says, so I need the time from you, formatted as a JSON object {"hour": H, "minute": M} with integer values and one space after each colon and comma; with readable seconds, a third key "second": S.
{"hour": 8, "minute": 19, "second": 32}
